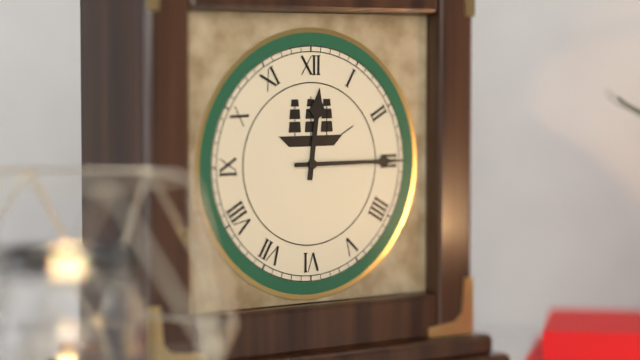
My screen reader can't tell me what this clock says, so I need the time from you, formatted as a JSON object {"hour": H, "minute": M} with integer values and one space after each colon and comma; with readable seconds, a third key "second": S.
{"hour": 12, "minute": 15}
